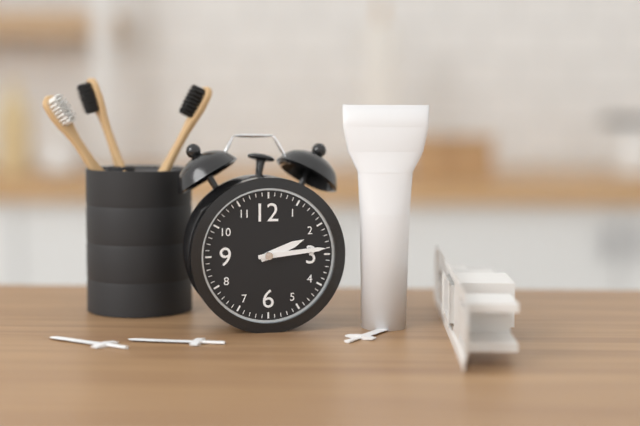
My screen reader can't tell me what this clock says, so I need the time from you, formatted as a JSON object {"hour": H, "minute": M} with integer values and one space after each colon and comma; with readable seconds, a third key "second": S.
{"hour": 2, "minute": 14}
